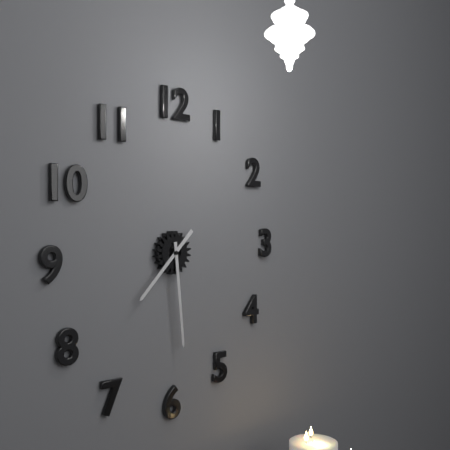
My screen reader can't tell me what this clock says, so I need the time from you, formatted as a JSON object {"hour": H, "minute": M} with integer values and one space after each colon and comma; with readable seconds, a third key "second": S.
{"hour": 7, "minute": 29}
